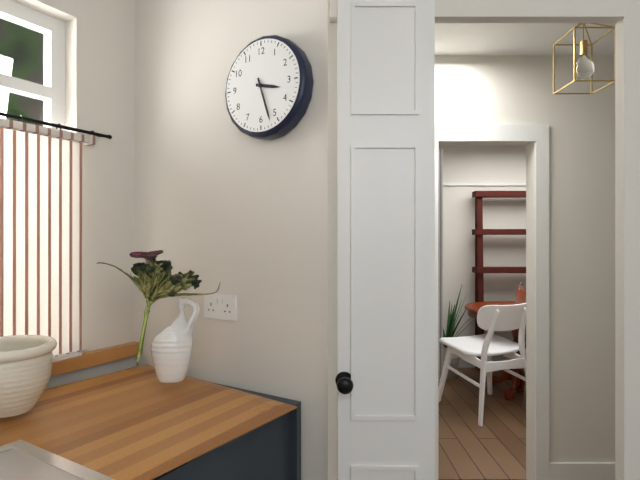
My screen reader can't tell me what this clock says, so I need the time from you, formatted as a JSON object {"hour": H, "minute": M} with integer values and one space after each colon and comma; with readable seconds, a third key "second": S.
{"hour": 3, "minute": 27}
